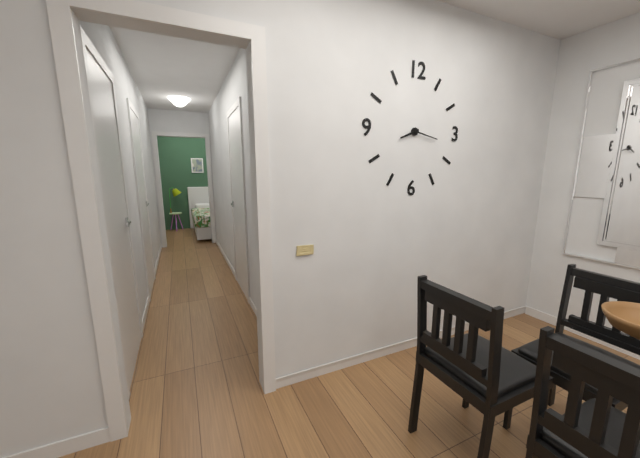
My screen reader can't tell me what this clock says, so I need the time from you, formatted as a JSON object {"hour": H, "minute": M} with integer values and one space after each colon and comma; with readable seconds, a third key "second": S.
{"hour": 8, "minute": 17}
